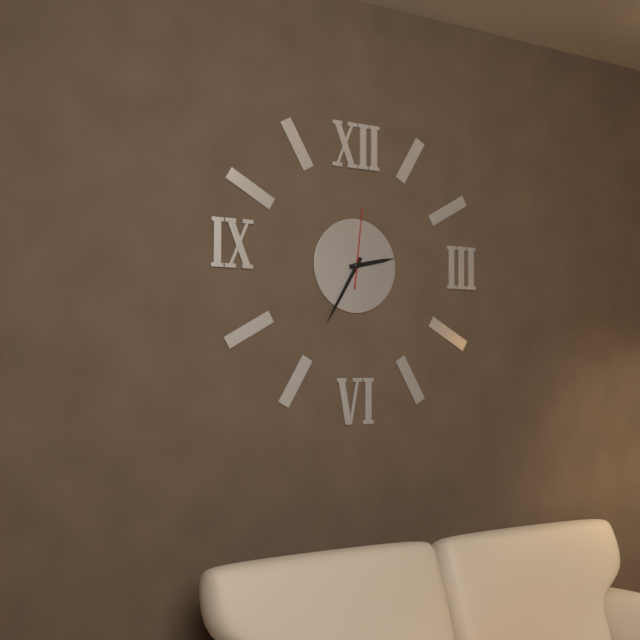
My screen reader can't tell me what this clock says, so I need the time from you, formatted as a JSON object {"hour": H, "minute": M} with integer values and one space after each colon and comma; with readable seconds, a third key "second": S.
{"hour": 2, "minute": 35, "second": 1}
